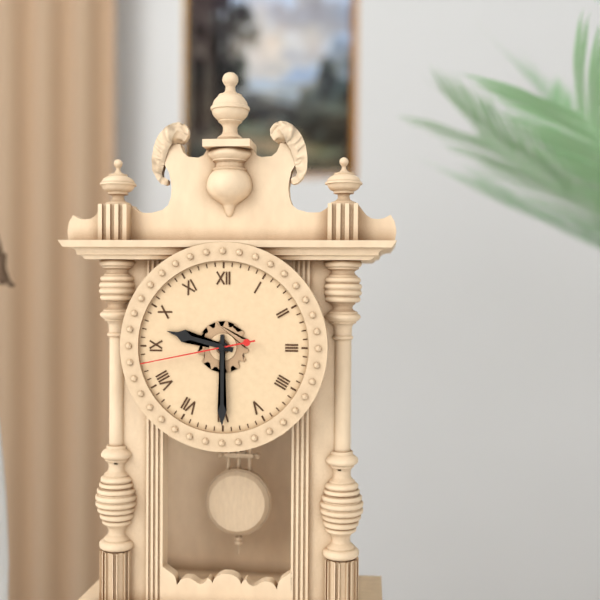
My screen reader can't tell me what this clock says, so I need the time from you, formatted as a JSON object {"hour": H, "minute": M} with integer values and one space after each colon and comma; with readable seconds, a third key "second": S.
{"hour": 9, "minute": 30, "second": 43}
